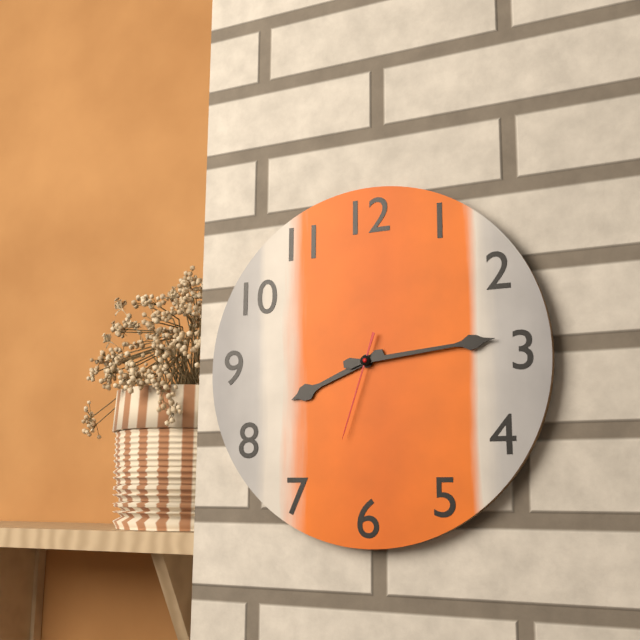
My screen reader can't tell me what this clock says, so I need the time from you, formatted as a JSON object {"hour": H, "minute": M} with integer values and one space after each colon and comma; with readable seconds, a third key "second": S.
{"hour": 8, "minute": 14, "second": 33}
